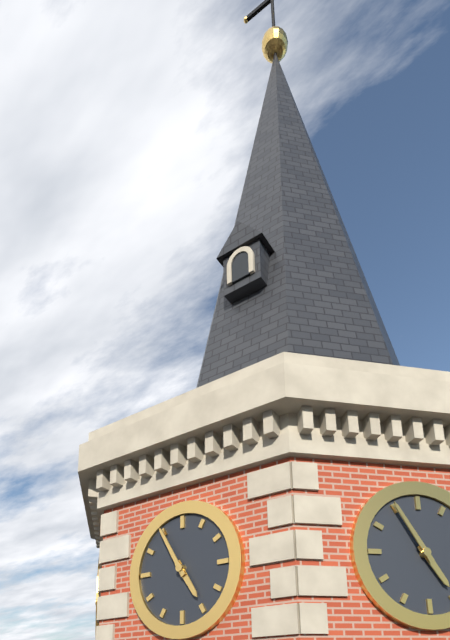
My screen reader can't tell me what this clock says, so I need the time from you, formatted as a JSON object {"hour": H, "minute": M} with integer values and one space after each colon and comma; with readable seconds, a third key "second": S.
{"hour": 4, "minute": 55}
